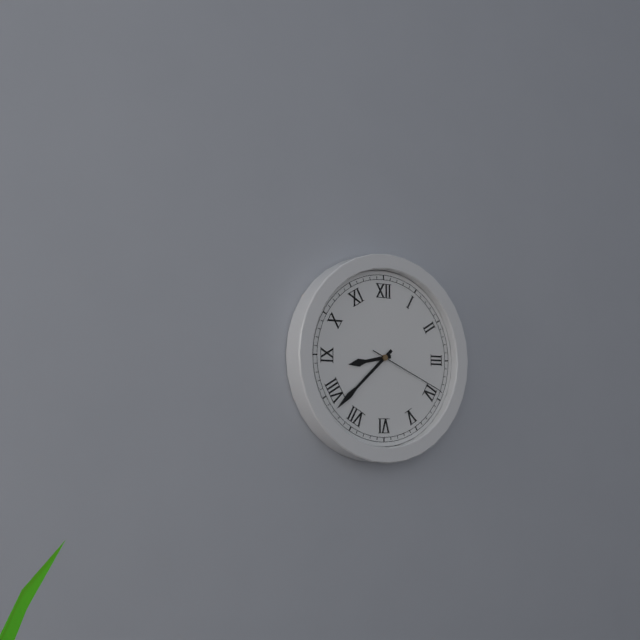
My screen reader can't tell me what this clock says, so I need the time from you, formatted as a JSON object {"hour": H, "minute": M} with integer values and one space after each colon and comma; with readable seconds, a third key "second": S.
{"hour": 8, "minute": 38, "second": 19}
